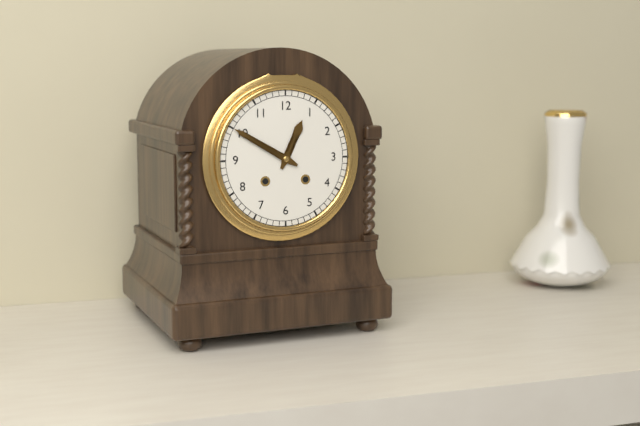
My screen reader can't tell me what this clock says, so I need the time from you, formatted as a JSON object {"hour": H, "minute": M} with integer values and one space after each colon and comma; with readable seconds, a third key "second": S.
{"hour": 12, "minute": 50}
